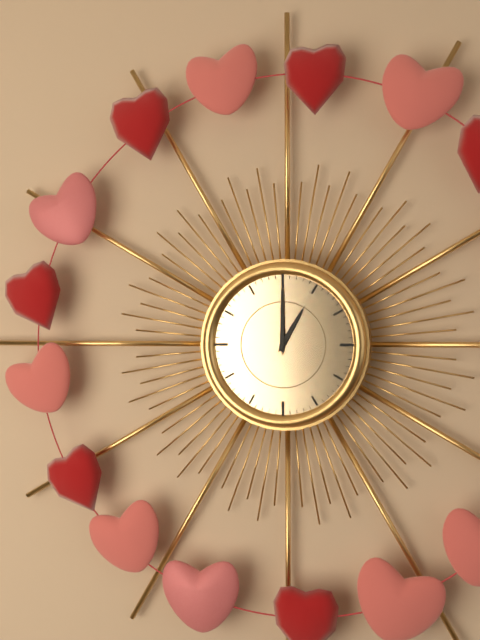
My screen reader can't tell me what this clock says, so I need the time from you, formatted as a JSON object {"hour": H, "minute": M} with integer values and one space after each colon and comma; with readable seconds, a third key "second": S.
{"hour": 1, "minute": 0}
